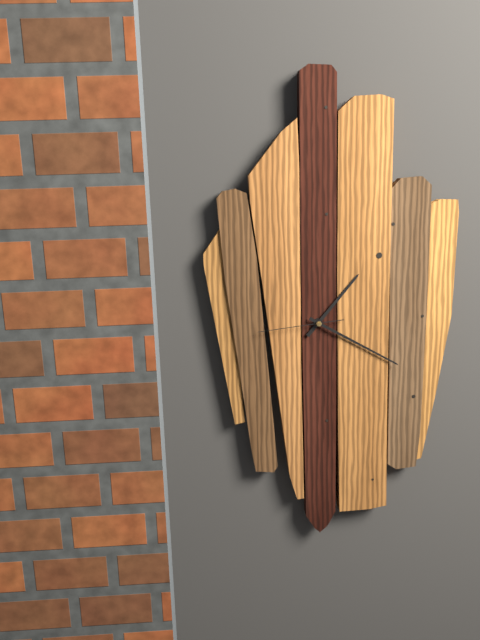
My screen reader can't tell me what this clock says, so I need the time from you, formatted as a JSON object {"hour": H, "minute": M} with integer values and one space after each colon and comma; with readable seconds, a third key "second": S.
{"hour": 1, "minute": 20, "second": 44}
